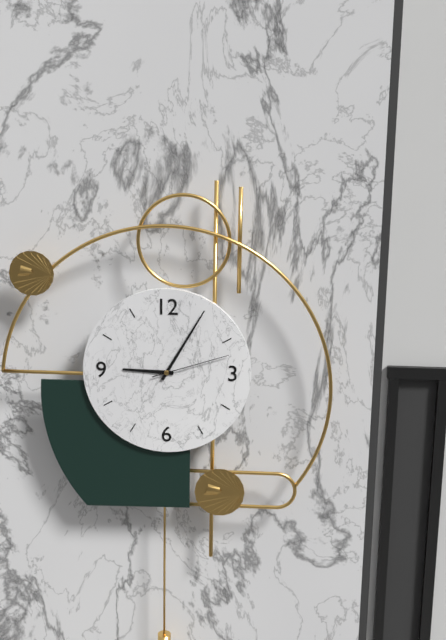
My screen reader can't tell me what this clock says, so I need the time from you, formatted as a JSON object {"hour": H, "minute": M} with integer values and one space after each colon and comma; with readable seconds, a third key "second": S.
{"hour": 9, "minute": 5, "second": 12}
